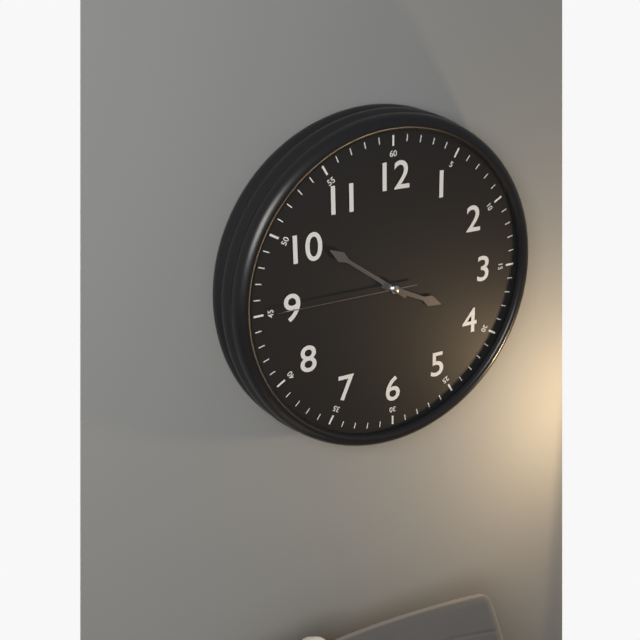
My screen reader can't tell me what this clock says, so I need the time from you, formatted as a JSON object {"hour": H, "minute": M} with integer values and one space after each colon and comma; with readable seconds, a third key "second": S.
{"hour": 3, "minute": 51, "second": 45}
